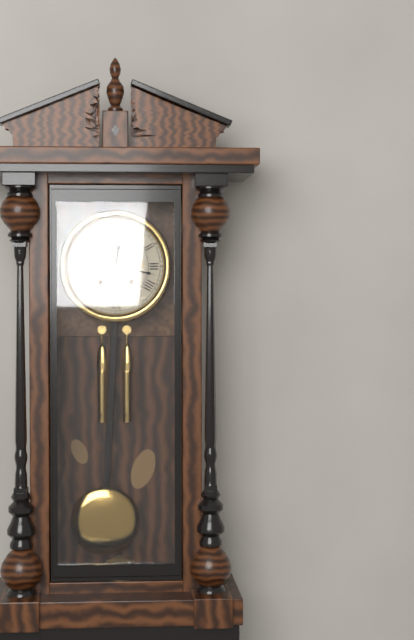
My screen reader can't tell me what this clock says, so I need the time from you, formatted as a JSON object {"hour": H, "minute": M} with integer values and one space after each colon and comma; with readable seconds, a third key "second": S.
{"hour": 12, "minute": 17}
